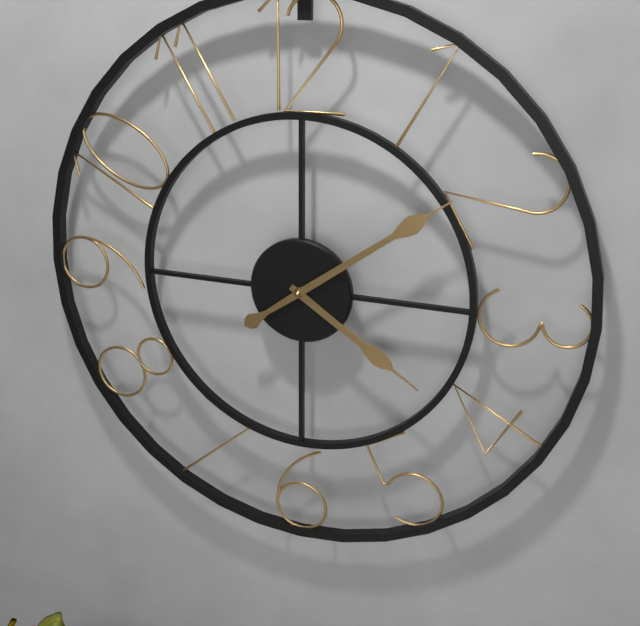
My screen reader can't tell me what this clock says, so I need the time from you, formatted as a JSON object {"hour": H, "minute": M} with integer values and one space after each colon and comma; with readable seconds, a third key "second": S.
{"hour": 4, "minute": 9}
